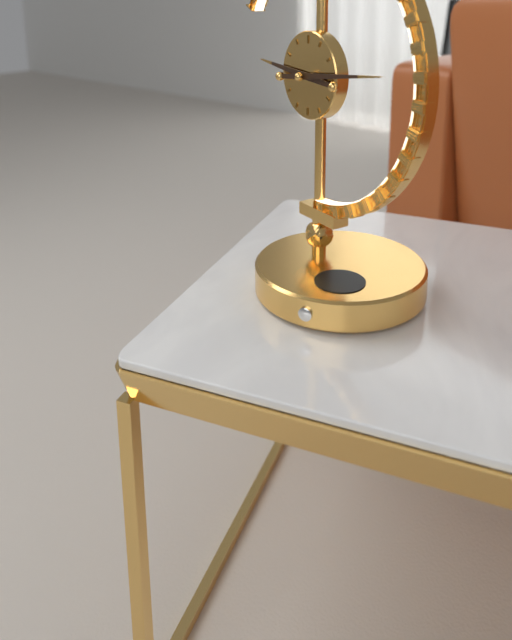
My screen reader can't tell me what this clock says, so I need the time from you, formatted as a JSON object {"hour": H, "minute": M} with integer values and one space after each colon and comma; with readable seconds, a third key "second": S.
{"hour": 9, "minute": 14}
